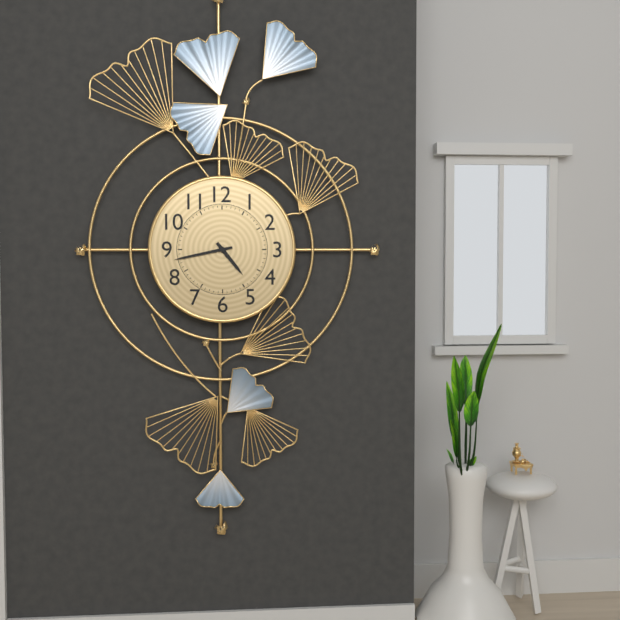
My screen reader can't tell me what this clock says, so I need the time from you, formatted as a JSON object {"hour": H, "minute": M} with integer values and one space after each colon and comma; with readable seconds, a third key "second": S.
{"hour": 4, "minute": 43}
